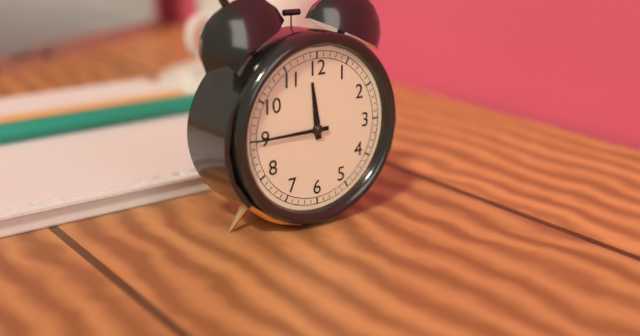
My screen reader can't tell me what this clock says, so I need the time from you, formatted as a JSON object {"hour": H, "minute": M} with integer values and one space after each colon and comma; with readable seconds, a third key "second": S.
{"hour": 11, "minute": 45}
